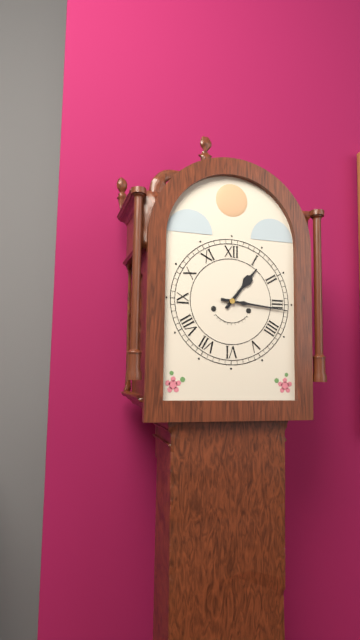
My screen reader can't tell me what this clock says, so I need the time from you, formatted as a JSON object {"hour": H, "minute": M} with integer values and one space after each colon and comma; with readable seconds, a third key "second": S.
{"hour": 1, "minute": 16}
